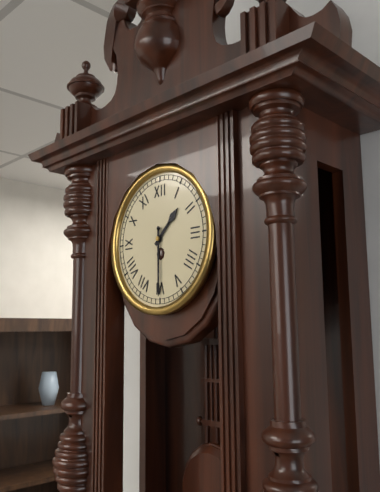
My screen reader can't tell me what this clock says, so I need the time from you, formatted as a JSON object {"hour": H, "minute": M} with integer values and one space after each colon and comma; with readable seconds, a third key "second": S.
{"hour": 1, "minute": 30}
